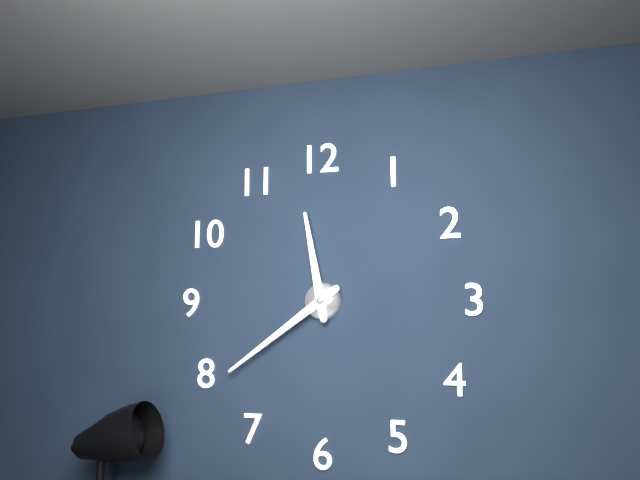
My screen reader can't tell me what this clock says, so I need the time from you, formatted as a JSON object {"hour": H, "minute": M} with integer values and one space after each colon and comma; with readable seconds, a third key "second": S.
{"hour": 11, "minute": 39}
